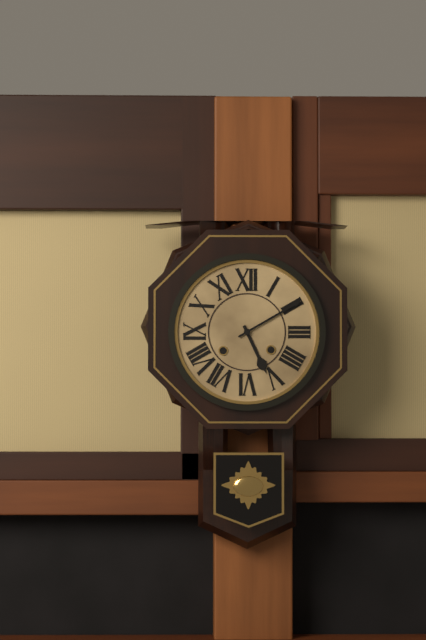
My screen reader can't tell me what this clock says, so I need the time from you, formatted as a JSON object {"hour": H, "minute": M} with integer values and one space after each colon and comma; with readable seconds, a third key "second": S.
{"hour": 5, "minute": 10}
